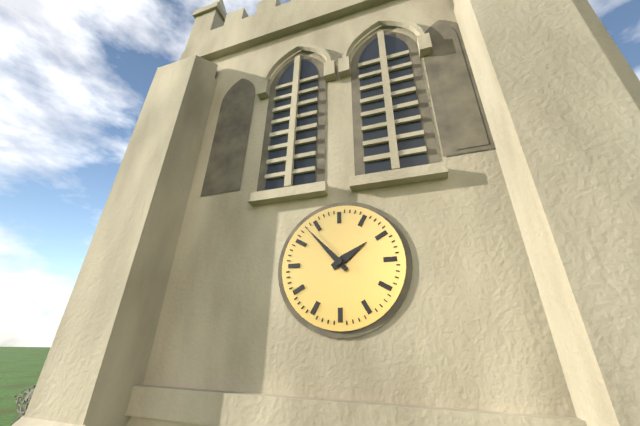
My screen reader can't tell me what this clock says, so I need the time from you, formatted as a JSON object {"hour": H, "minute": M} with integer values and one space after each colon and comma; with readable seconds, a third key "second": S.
{"hour": 1, "minute": 53}
